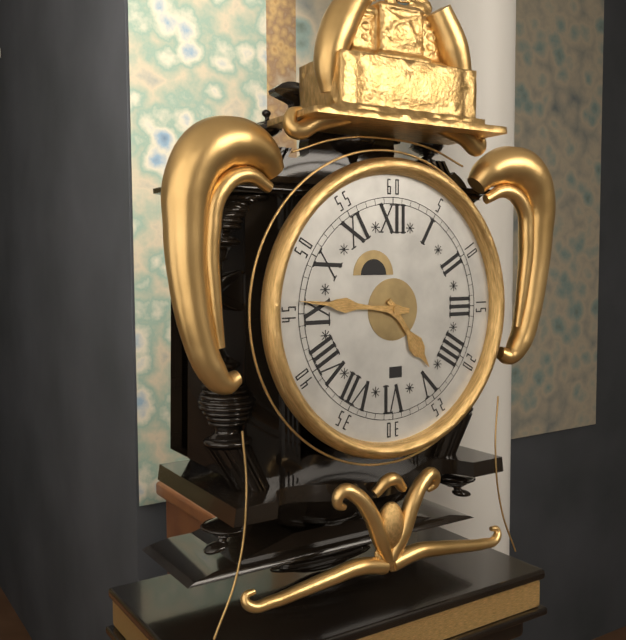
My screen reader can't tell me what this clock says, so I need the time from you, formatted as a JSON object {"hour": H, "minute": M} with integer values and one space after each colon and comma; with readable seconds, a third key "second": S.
{"hour": 4, "minute": 46}
